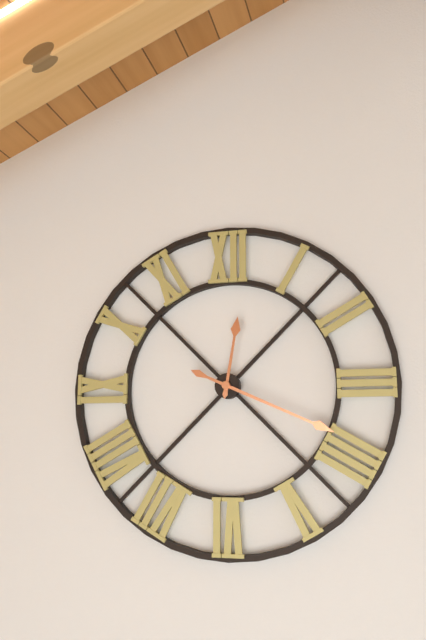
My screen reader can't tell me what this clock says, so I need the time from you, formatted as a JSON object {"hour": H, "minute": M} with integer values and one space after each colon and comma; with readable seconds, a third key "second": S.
{"hour": 12, "minute": 19}
